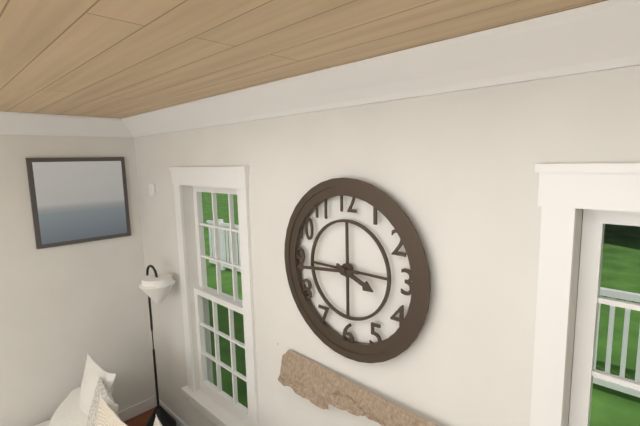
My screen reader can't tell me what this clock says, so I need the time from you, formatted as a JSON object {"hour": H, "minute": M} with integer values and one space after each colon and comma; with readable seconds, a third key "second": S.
{"hour": 3, "minute": 44}
